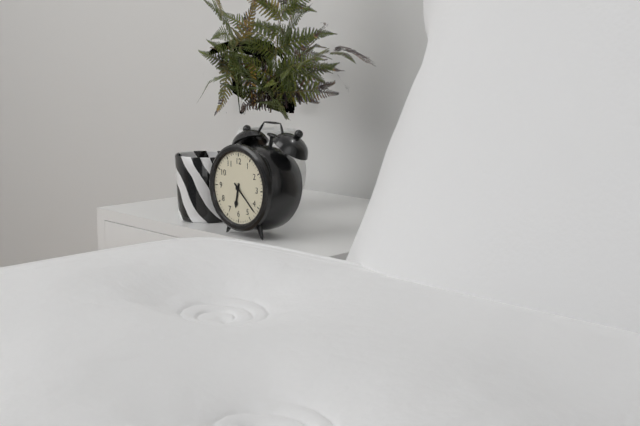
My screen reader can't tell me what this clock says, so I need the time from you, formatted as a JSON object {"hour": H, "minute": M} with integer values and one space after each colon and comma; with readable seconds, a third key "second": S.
{"hour": 6, "minute": 22}
